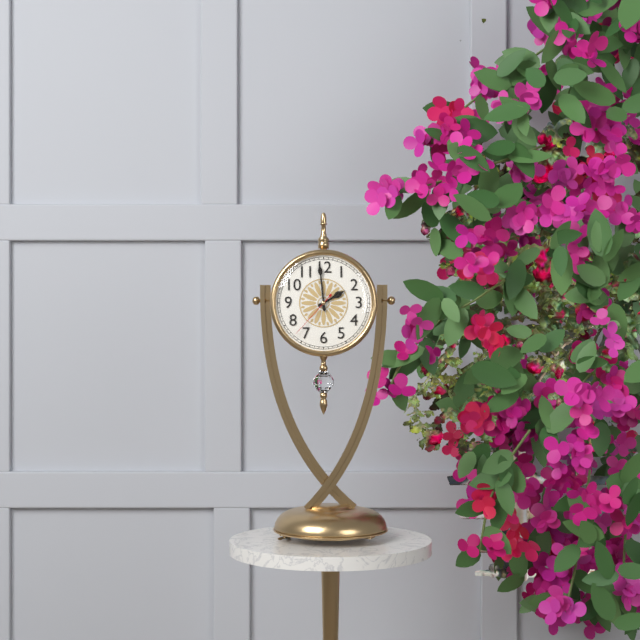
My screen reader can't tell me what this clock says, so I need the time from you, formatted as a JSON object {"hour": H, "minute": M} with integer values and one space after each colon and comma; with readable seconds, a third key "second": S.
{"hour": 1, "minute": 59, "second": 37}
